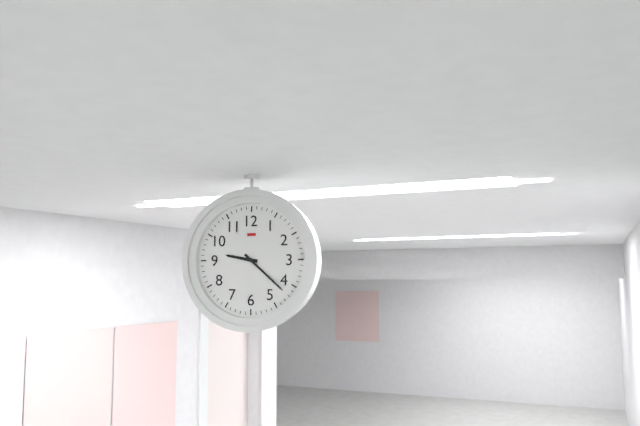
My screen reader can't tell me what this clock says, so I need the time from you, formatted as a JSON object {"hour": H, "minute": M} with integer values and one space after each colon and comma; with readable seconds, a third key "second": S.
{"hour": 9, "minute": 22}
